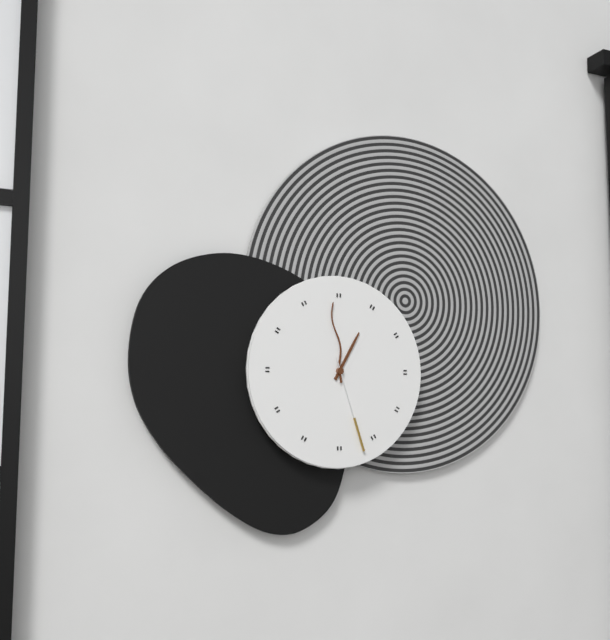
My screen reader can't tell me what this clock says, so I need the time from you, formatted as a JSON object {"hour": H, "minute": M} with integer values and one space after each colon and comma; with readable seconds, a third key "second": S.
{"hour": 12, "minute": 59, "second": 27}
